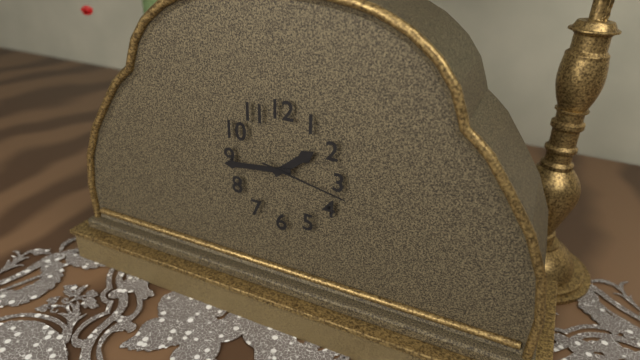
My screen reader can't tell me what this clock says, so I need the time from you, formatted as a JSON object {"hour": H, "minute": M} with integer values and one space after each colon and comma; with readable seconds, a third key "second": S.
{"hour": 1, "minute": 44, "second": 17}
